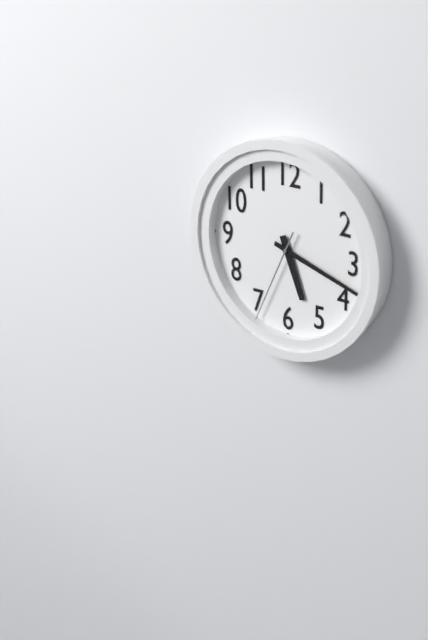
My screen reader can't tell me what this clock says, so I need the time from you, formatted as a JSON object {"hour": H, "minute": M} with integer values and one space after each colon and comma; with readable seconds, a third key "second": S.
{"hour": 5, "minute": 18, "second": 34}
